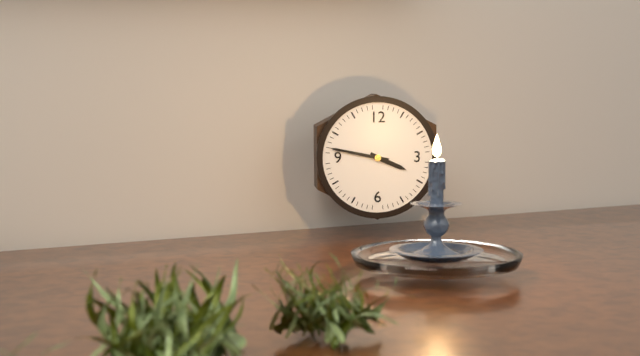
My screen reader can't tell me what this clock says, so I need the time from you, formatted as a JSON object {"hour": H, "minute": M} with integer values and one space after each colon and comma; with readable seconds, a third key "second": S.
{"hour": 3, "minute": 47}
